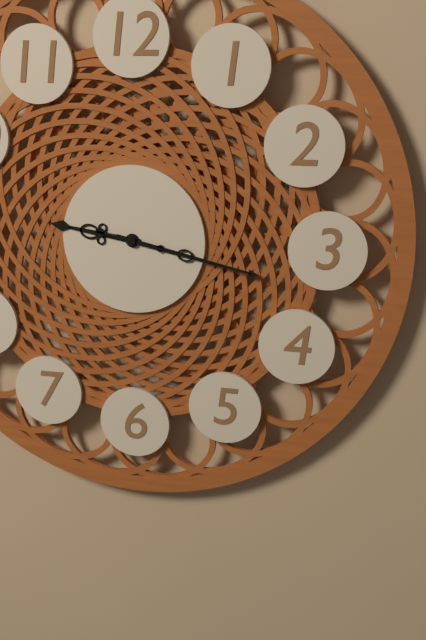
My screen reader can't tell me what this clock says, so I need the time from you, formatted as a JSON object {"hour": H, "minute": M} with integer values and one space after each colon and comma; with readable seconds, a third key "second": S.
{"hour": 9, "minute": 17, "second": 17}
